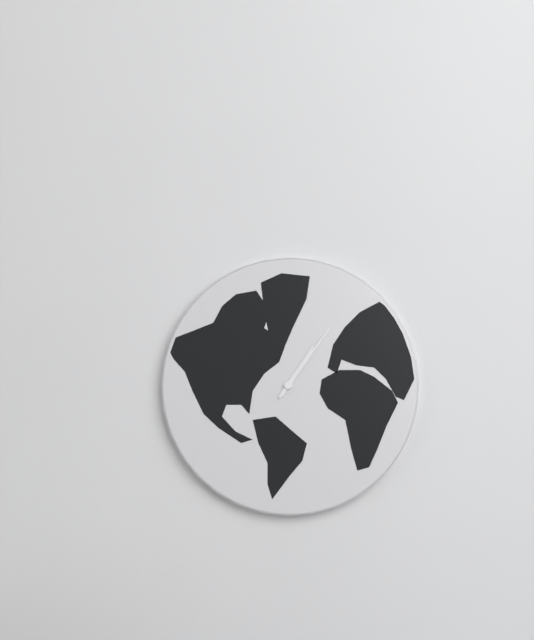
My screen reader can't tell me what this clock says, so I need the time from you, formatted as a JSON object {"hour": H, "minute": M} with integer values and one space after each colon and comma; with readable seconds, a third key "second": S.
{"hour": 1, "minute": 6}
